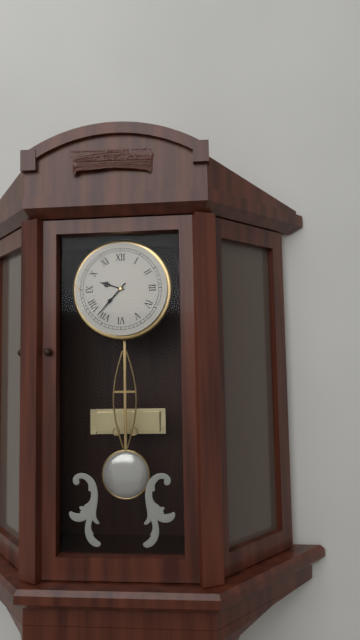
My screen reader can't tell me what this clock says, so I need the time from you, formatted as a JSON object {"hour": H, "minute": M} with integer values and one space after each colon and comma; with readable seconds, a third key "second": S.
{"hour": 9, "minute": 37}
